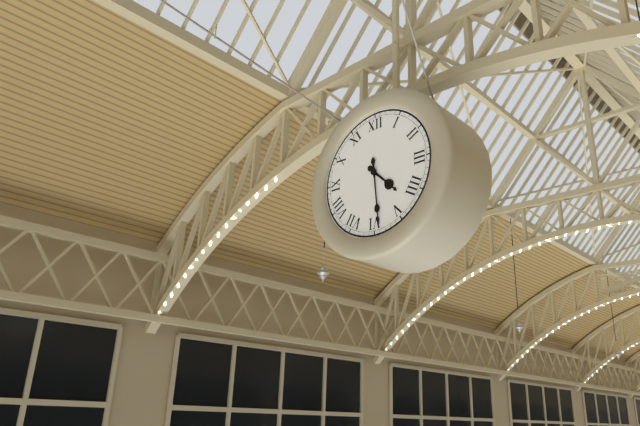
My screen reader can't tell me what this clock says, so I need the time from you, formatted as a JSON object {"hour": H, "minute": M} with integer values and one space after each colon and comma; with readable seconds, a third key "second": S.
{"hour": 4, "minute": 29}
